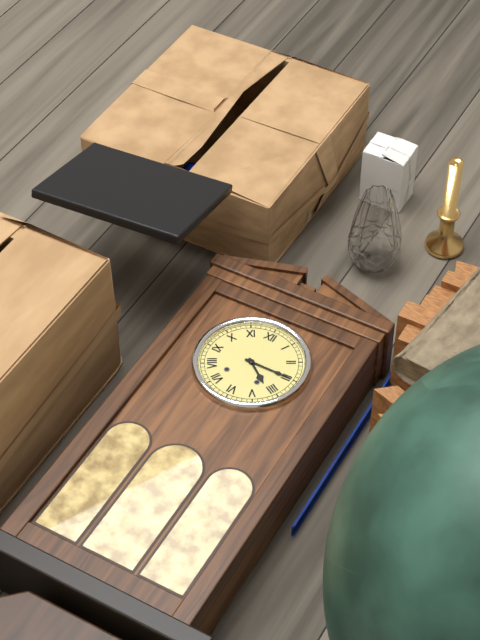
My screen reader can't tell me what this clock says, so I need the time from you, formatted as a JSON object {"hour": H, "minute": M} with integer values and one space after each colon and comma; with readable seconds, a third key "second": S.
{"hour": 4, "minute": 15}
